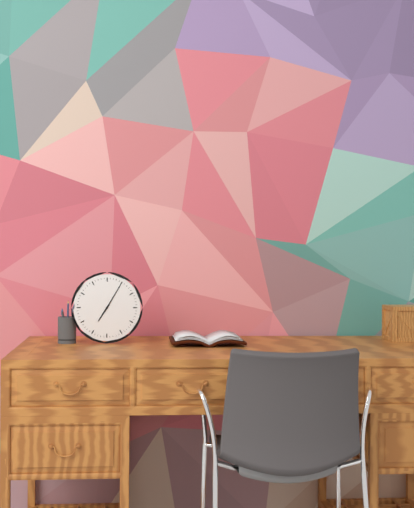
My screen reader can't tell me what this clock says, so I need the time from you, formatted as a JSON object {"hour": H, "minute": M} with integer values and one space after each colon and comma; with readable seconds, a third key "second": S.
{"hour": 7, "minute": 5}
